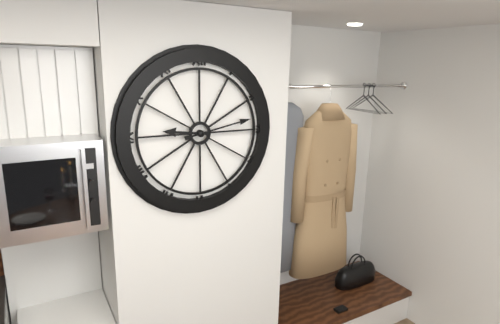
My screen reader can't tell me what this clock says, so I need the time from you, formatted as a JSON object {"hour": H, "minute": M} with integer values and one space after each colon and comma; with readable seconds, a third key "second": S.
{"hour": 9, "minute": 13}
